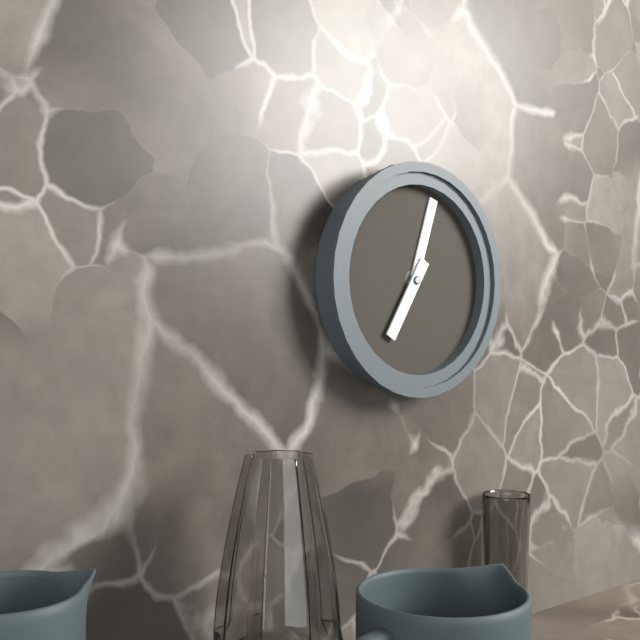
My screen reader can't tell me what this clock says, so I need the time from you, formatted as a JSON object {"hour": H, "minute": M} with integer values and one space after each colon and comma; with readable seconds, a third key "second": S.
{"hour": 7, "minute": 3}
